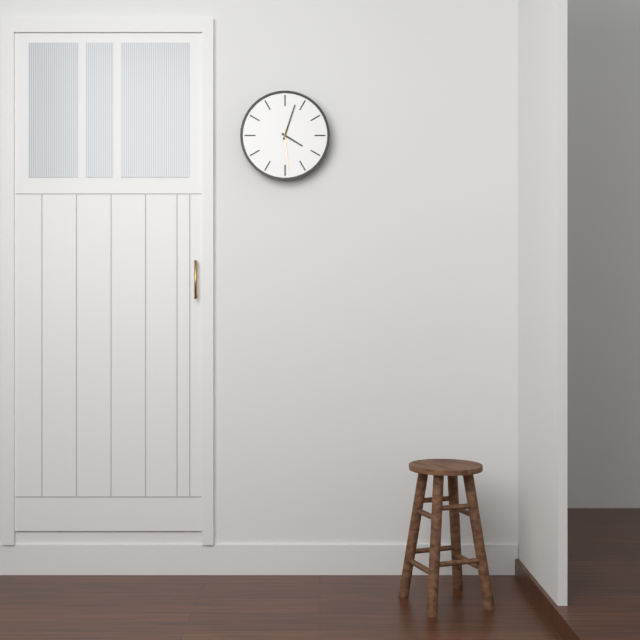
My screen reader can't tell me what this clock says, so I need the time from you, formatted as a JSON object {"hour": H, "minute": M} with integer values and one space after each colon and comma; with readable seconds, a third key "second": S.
{"hour": 4, "minute": 3}
